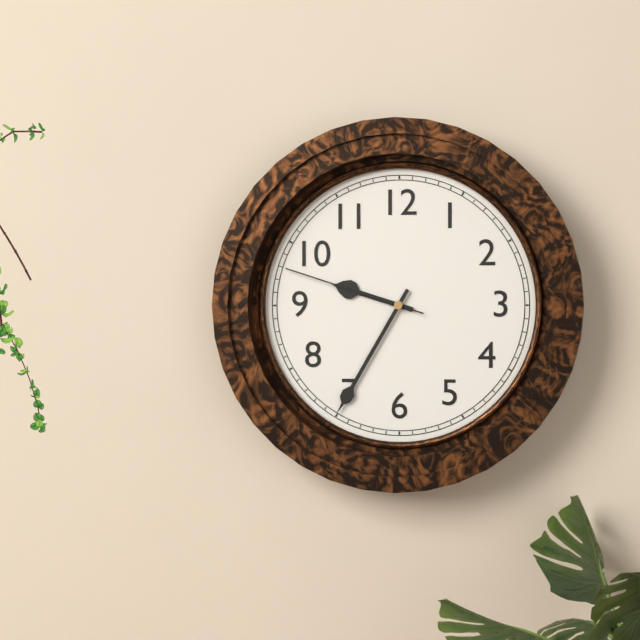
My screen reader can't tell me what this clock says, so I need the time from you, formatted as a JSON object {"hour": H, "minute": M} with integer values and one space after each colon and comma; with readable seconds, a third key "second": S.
{"hour": 9, "minute": 35, "second": 48}
